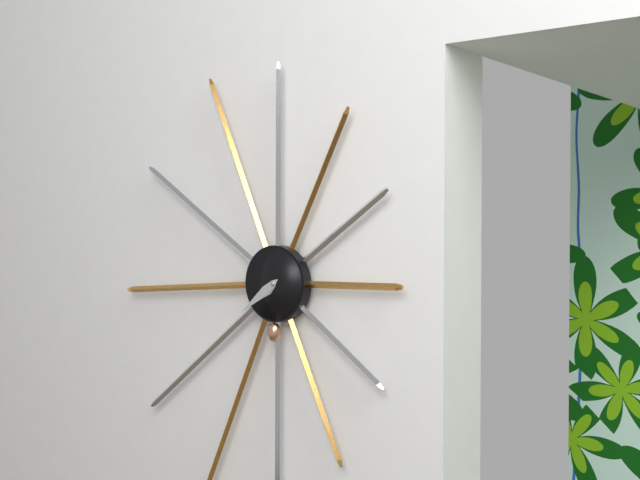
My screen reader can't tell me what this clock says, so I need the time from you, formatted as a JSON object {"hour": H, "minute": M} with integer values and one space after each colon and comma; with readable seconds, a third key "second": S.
{"hour": 7, "minute": 39}
